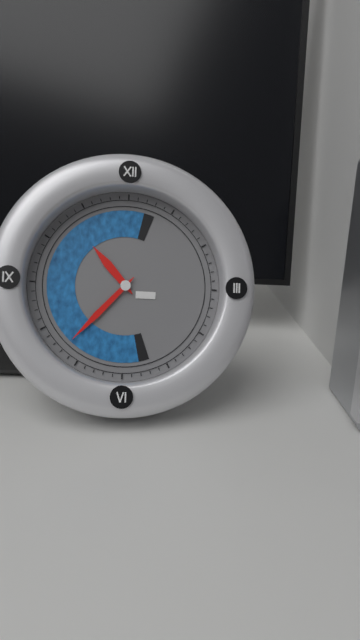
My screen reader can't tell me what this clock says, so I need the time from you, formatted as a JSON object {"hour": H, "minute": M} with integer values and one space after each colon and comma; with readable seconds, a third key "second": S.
{"hour": 10, "minute": 37}
